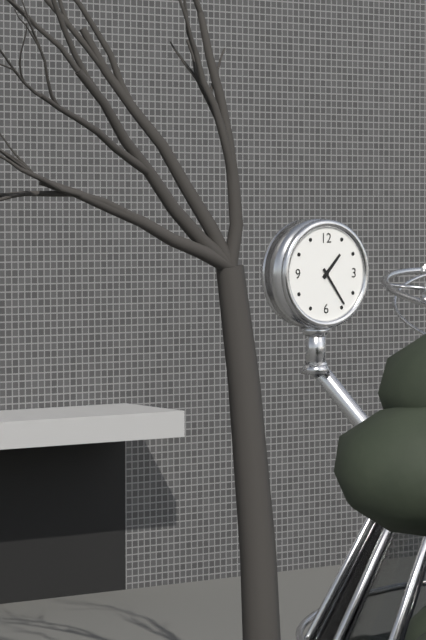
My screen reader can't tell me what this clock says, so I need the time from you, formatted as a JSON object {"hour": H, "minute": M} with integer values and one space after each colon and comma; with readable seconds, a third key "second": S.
{"hour": 1, "minute": 24}
